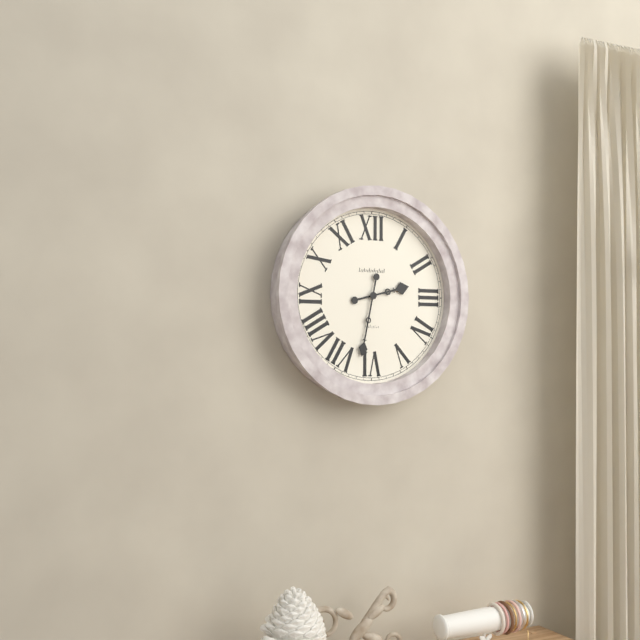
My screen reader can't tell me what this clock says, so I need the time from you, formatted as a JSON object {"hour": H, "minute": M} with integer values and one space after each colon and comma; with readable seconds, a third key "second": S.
{"hour": 2, "minute": 32}
